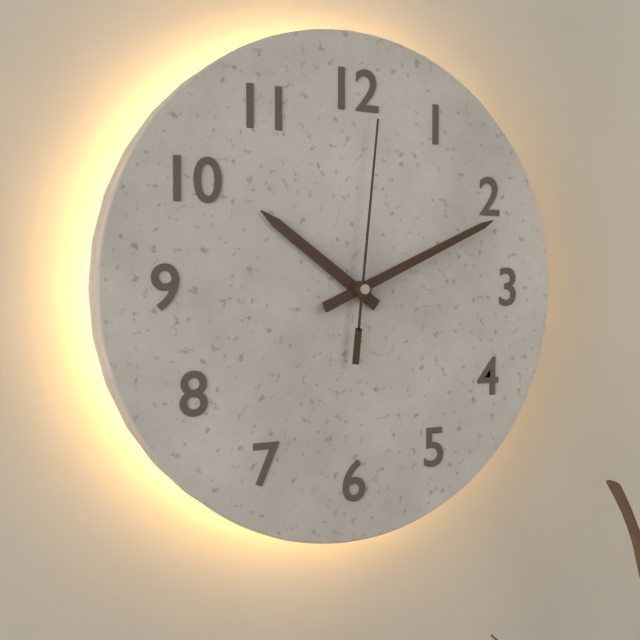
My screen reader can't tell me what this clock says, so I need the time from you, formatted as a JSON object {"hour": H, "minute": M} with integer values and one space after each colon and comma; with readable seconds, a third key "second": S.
{"hour": 10, "minute": 11, "second": 1}
